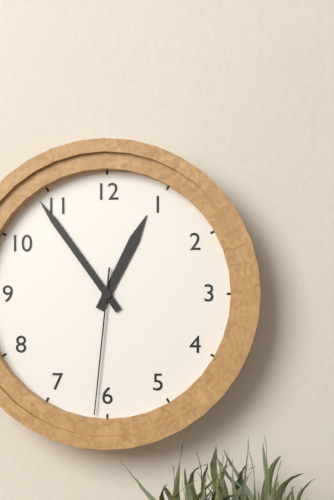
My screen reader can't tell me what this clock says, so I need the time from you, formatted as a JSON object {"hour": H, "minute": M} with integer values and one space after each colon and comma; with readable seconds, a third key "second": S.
{"hour": 12, "minute": 54, "second": 31}
